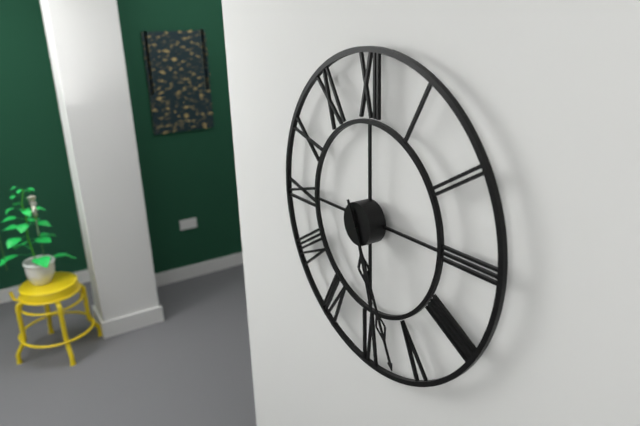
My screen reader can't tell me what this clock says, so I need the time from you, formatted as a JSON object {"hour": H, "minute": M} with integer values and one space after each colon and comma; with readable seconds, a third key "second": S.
{"hour": 5, "minute": 26}
